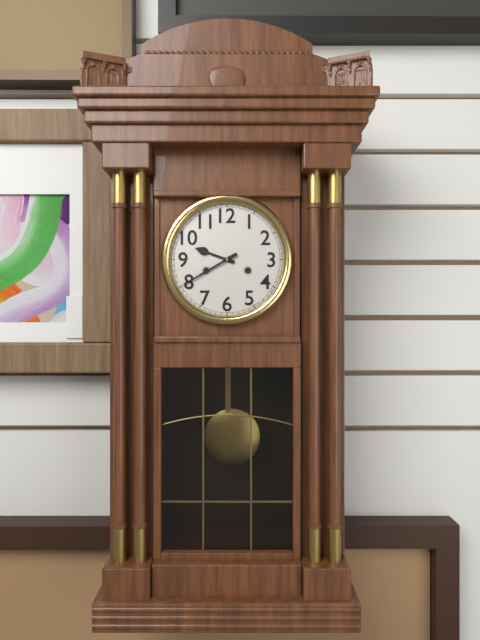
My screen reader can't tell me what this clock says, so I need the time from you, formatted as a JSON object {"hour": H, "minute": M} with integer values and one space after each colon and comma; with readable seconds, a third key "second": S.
{"hour": 9, "minute": 40}
